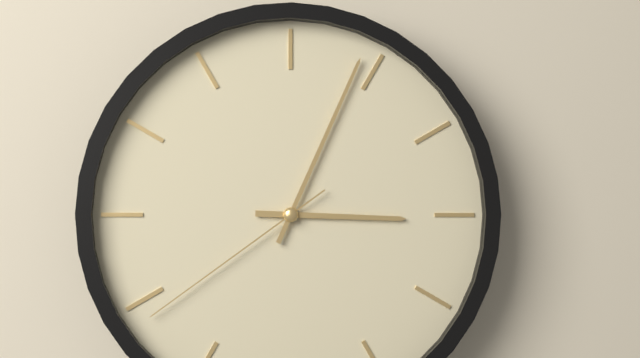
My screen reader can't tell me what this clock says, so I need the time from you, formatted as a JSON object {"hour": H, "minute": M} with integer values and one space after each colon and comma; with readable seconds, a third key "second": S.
{"hour": 3, "minute": 4, "second": 39}
